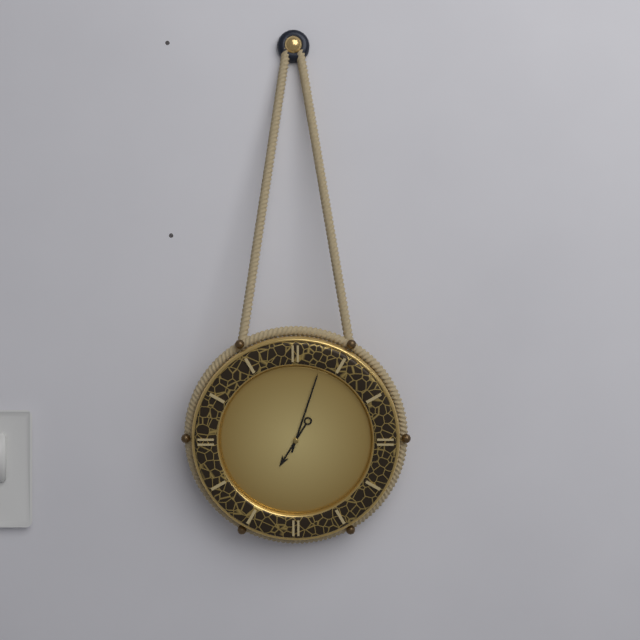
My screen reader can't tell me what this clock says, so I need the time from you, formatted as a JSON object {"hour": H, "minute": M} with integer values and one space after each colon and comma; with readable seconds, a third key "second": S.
{"hour": 7, "minute": 3}
